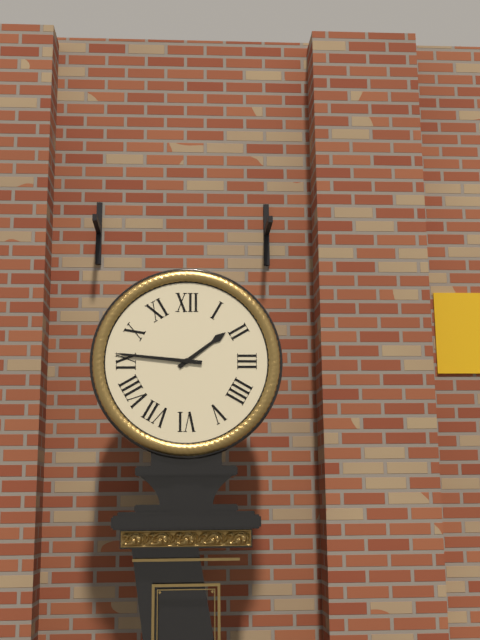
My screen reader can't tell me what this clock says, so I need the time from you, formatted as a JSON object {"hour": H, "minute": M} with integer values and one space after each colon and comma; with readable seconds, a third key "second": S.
{"hour": 1, "minute": 46}
